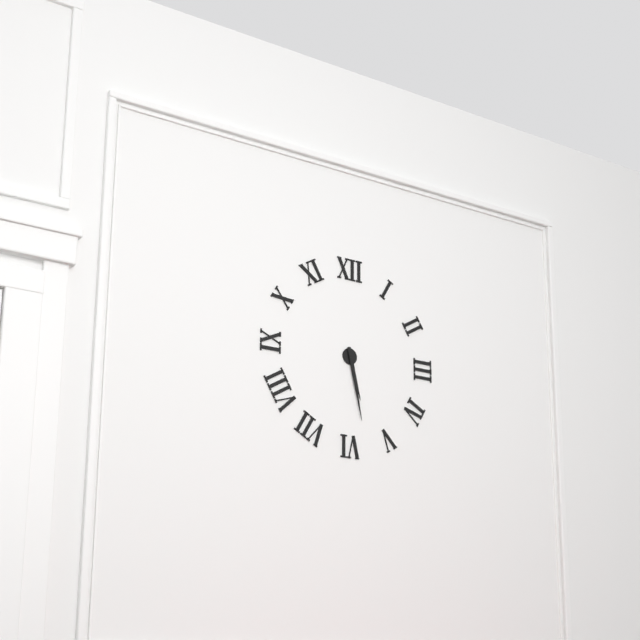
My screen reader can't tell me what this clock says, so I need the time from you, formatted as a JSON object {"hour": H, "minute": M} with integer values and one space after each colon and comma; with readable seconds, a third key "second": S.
{"hour": 5, "minute": 28}
